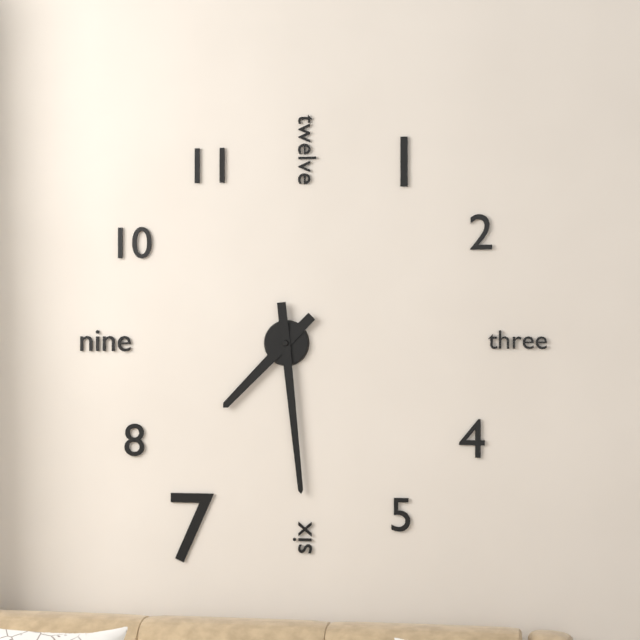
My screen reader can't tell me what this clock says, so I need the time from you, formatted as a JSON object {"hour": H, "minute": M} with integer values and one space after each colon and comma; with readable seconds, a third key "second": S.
{"hour": 7, "minute": 29}
